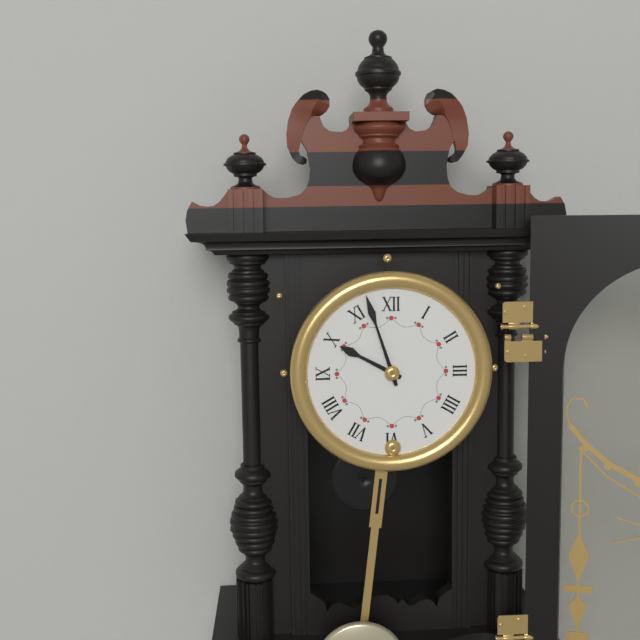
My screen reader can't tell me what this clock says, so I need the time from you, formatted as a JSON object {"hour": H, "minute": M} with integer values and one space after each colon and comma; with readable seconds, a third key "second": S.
{"hour": 9, "minute": 57}
